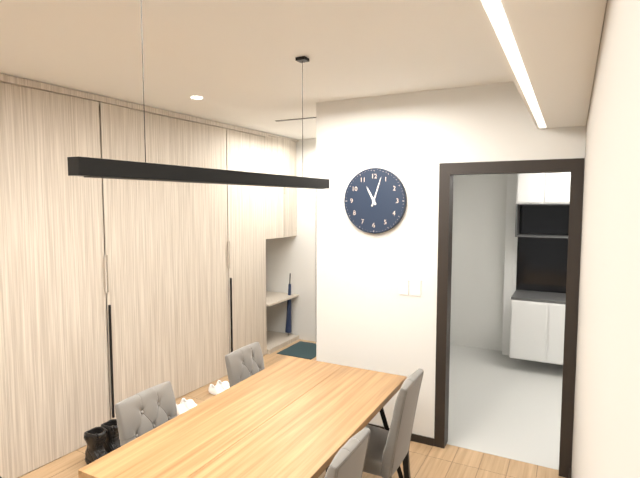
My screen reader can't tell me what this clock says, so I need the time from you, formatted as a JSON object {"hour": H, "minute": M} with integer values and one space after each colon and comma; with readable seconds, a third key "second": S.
{"hour": 11, "minute": 3}
